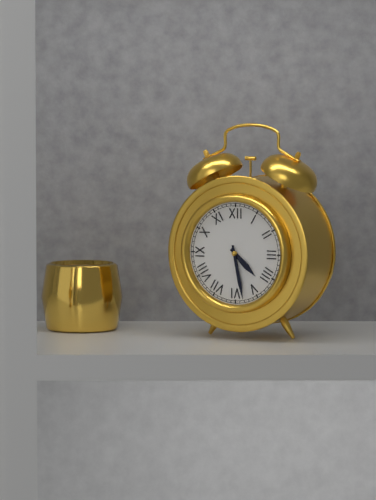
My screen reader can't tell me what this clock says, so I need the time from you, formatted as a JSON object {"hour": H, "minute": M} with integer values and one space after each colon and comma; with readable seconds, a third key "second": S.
{"hour": 4, "minute": 28}
